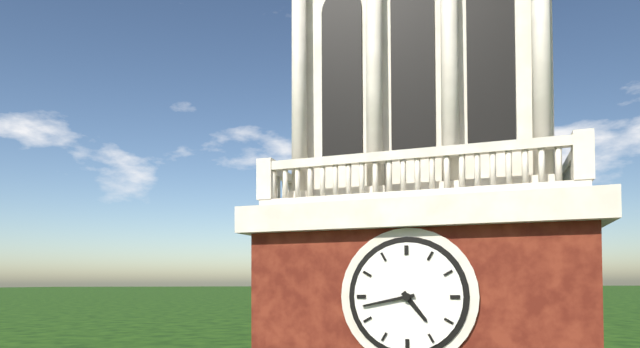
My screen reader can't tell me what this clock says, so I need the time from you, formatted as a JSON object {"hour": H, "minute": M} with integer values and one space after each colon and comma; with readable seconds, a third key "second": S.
{"hour": 4, "minute": 43}
